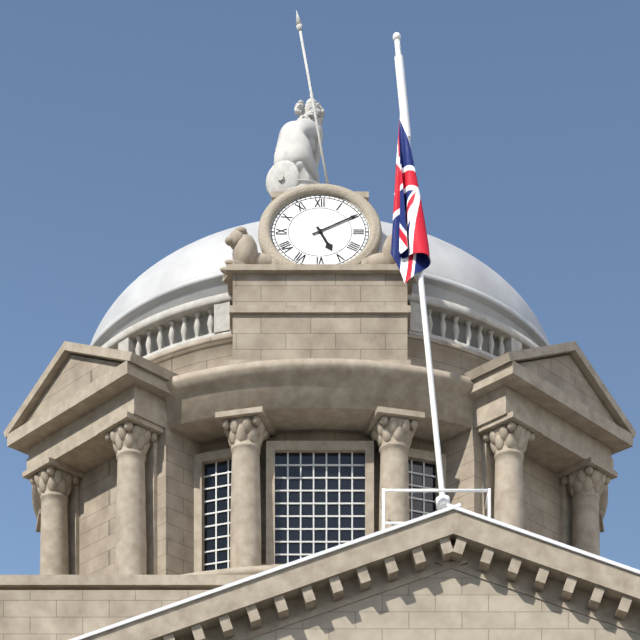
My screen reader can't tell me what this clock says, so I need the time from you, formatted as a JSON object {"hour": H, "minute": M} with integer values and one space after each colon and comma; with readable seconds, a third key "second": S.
{"hour": 5, "minute": 10}
